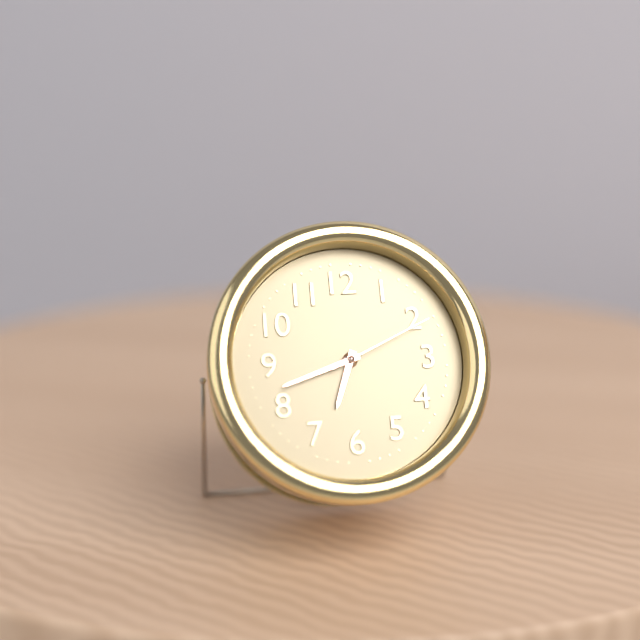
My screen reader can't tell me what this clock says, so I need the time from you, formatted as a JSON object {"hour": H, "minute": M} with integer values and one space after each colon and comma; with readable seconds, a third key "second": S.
{"hour": 6, "minute": 42, "second": 11}
